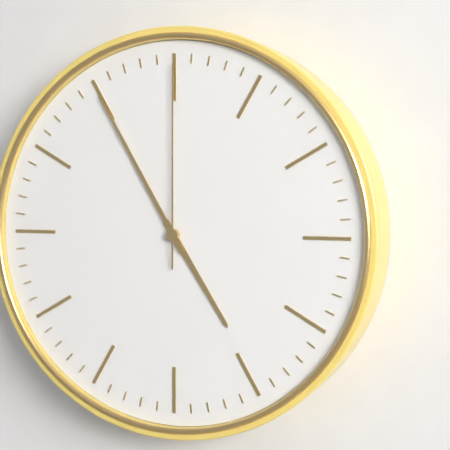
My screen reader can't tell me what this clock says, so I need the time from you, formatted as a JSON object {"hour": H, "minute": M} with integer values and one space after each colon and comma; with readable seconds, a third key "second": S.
{"hour": 4, "minute": 55, "second": 0}
